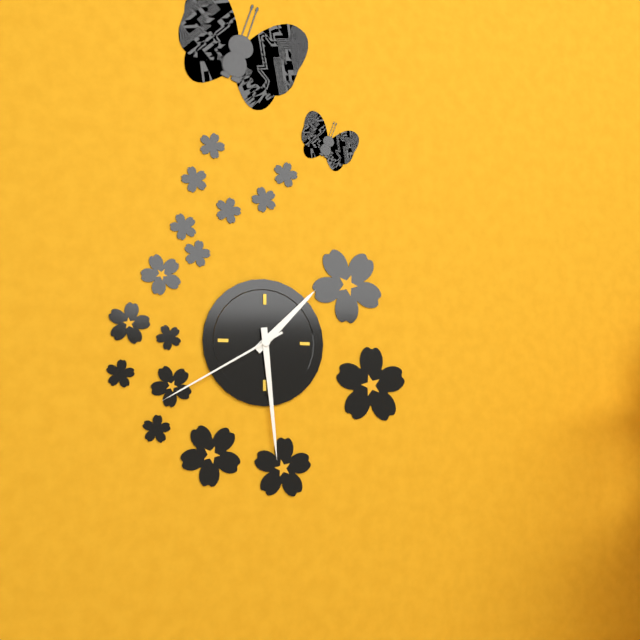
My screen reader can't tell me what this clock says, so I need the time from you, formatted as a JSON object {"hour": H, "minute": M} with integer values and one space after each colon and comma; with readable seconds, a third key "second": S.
{"hour": 1, "minute": 29, "second": 40}
